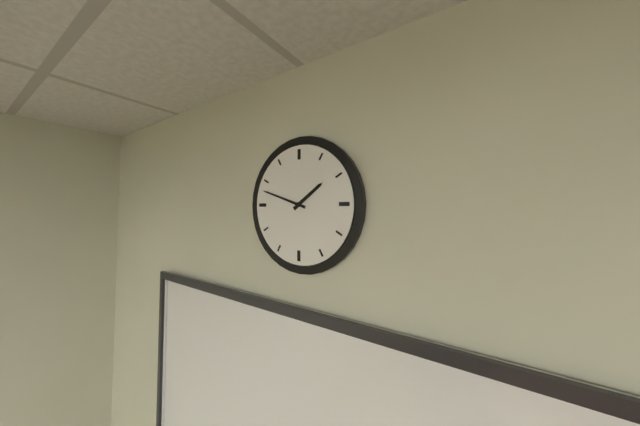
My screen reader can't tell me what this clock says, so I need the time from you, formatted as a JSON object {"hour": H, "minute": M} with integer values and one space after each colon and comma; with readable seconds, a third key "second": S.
{"hour": 1, "minute": 48}
